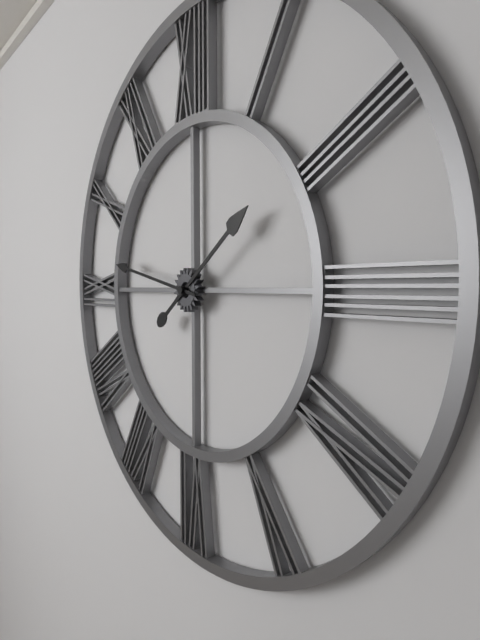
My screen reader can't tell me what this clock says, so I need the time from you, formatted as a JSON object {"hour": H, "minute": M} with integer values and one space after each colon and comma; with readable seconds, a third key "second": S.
{"hour": 1, "minute": 47}
